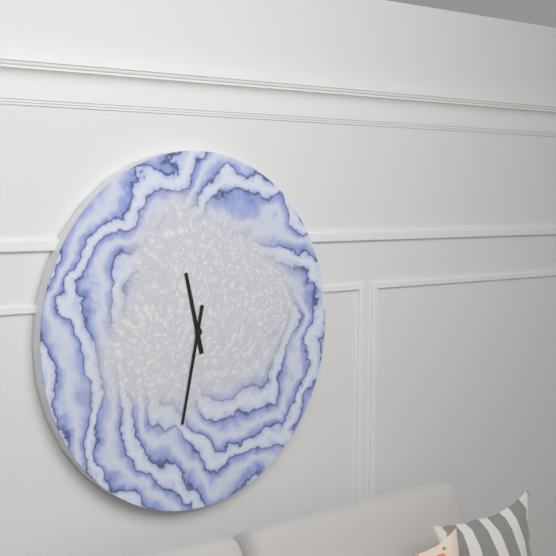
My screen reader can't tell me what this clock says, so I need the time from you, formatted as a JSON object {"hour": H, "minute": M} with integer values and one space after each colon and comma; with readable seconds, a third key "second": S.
{"hour": 11, "minute": 32}
